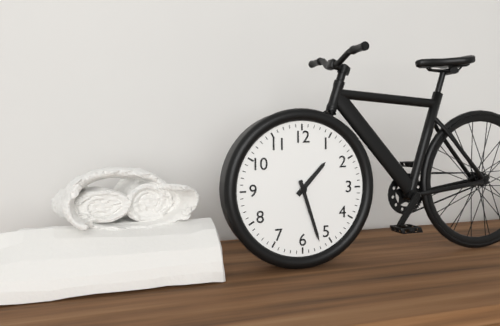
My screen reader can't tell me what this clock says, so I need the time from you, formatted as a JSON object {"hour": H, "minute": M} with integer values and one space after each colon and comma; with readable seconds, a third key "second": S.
{"hour": 1, "minute": 27}
